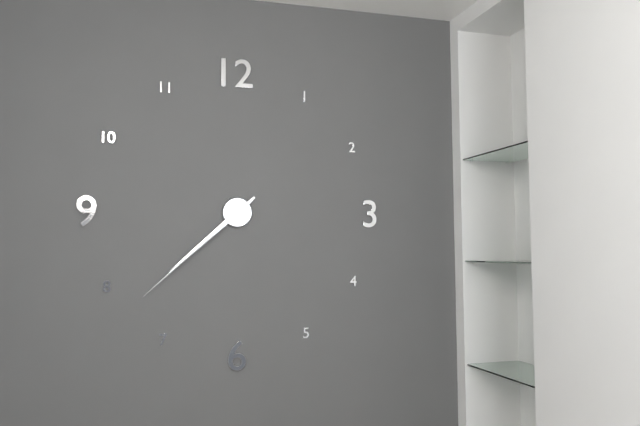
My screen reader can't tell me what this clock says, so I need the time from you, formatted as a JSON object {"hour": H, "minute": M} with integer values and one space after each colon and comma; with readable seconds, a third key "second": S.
{"hour": 7, "minute": 38}
